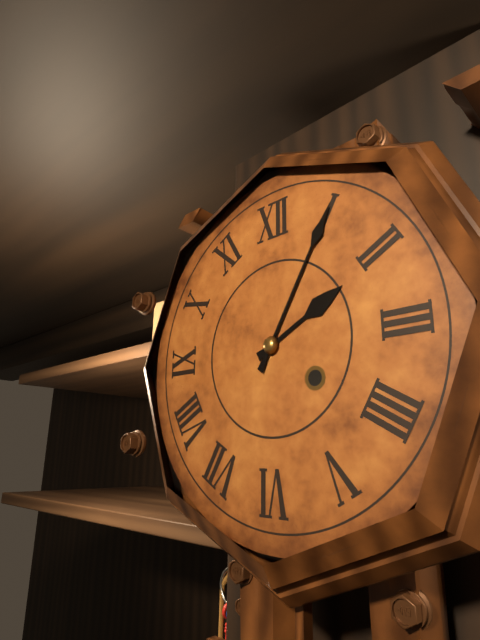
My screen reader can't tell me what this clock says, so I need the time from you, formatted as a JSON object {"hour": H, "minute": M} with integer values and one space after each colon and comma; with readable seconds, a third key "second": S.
{"hour": 2, "minute": 5}
